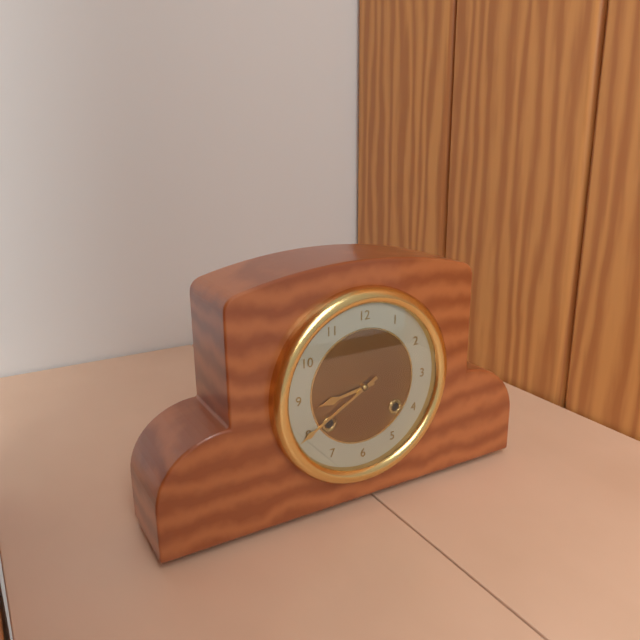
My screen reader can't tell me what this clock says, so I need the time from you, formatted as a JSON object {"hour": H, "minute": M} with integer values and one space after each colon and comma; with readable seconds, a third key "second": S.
{"hour": 8, "minute": 40}
